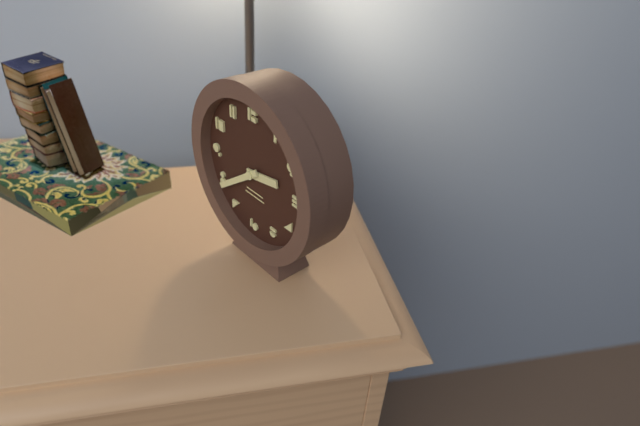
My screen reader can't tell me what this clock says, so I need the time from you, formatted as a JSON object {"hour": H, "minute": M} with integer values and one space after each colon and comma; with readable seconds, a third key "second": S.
{"hour": 2, "minute": 39}
